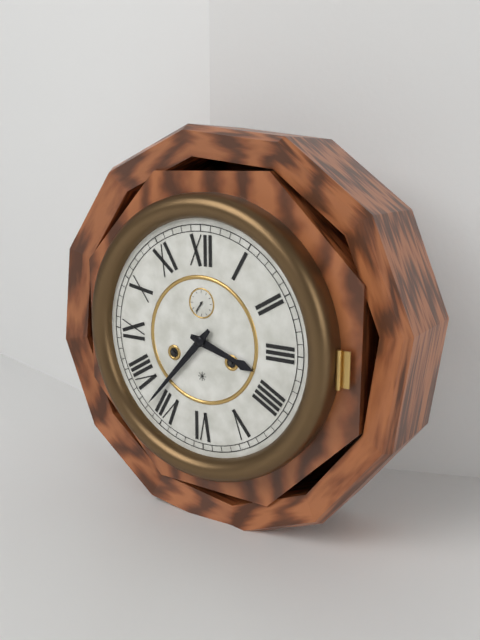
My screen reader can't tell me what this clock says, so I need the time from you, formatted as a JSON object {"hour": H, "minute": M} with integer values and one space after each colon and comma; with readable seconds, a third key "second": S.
{"hour": 3, "minute": 37}
